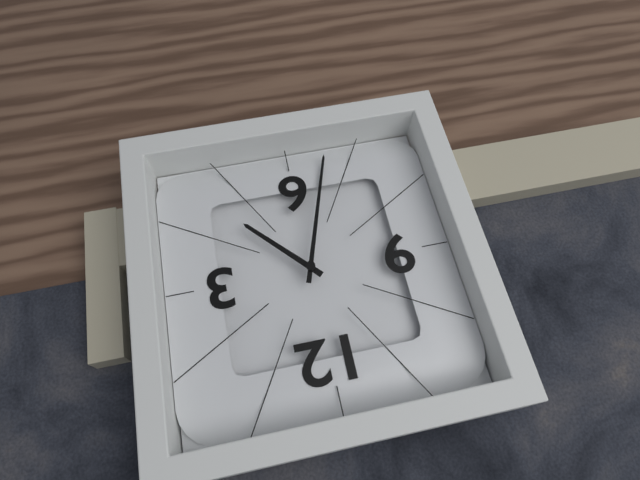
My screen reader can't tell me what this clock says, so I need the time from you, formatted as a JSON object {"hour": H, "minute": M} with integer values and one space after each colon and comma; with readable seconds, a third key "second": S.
{"hour": 4, "minute": 33}
